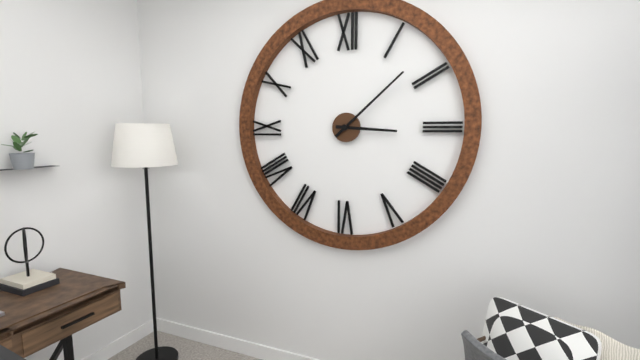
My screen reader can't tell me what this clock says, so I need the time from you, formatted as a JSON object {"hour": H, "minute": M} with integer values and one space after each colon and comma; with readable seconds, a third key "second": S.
{"hour": 3, "minute": 8}
